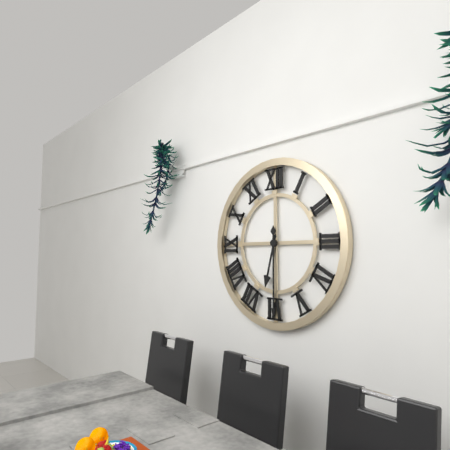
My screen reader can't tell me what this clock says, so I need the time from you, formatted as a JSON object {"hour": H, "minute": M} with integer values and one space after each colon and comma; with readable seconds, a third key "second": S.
{"hour": 6, "minute": 30}
